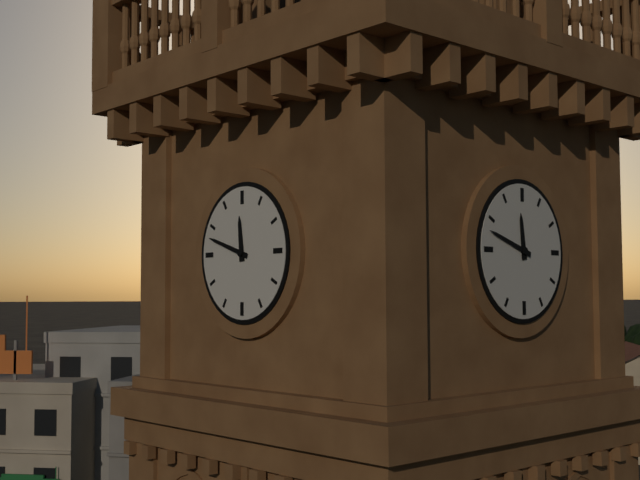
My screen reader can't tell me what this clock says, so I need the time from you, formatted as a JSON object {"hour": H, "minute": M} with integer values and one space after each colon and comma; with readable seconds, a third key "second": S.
{"hour": 11, "minute": 48}
